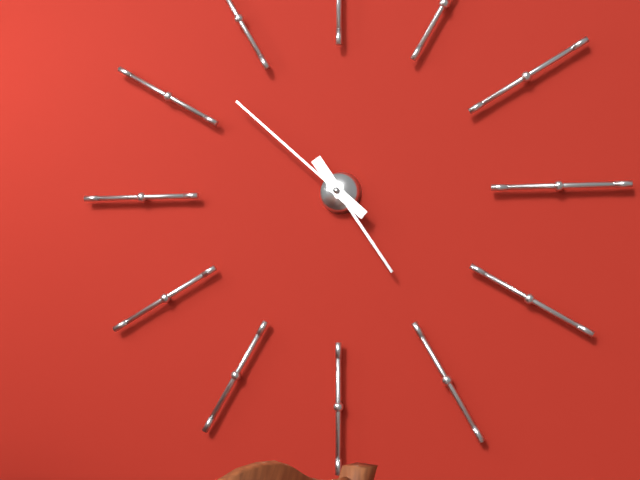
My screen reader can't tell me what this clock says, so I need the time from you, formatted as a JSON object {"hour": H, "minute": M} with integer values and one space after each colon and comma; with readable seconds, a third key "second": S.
{"hour": 4, "minute": 52}
